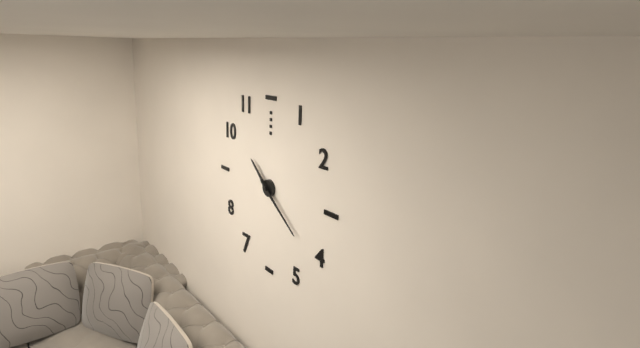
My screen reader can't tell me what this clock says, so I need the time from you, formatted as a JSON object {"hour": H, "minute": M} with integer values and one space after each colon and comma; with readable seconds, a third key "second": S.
{"hour": 10, "minute": 21}
